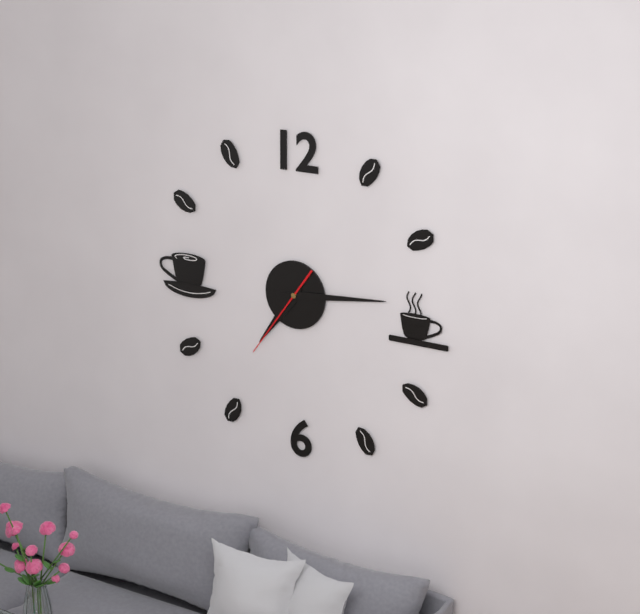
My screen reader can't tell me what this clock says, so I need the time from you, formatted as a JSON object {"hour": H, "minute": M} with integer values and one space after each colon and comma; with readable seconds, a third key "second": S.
{"hour": 7, "minute": 14, "second": 36}
